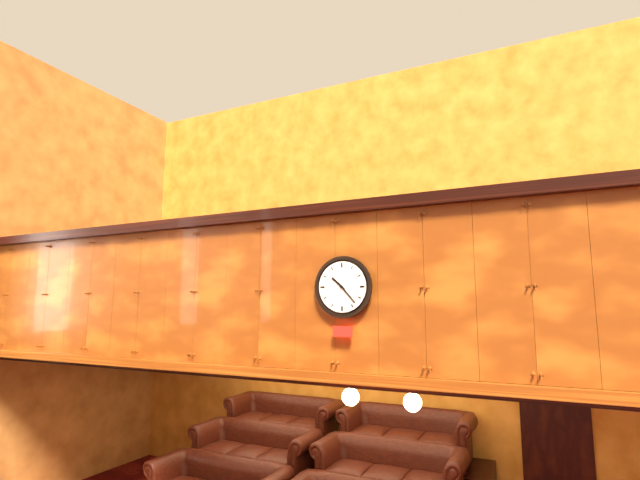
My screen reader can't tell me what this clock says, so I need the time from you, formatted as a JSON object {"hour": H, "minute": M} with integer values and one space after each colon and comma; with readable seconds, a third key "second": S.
{"hour": 10, "minute": 23}
